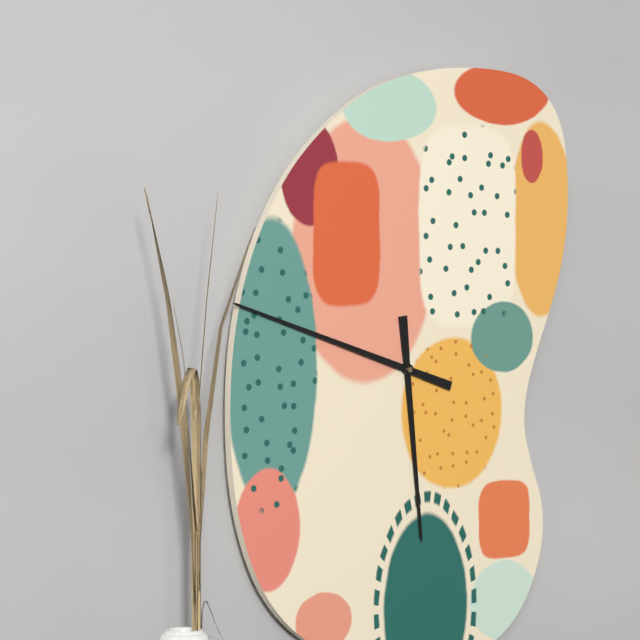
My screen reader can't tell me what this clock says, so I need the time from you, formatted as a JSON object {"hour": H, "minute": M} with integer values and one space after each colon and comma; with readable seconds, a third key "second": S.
{"hour": 5, "minute": 48}
